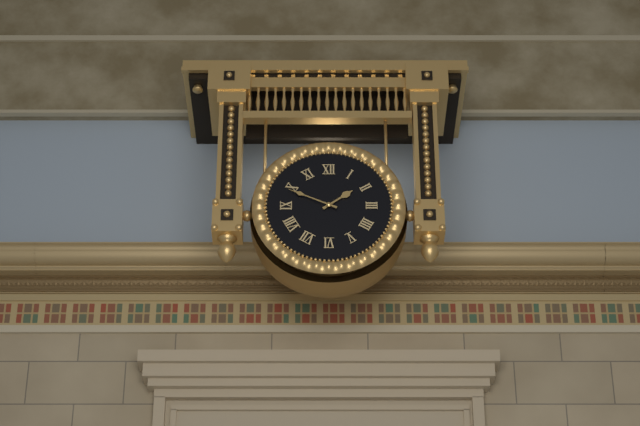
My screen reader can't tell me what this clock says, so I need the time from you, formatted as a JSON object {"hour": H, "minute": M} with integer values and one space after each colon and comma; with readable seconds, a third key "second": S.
{"hour": 1, "minute": 49}
